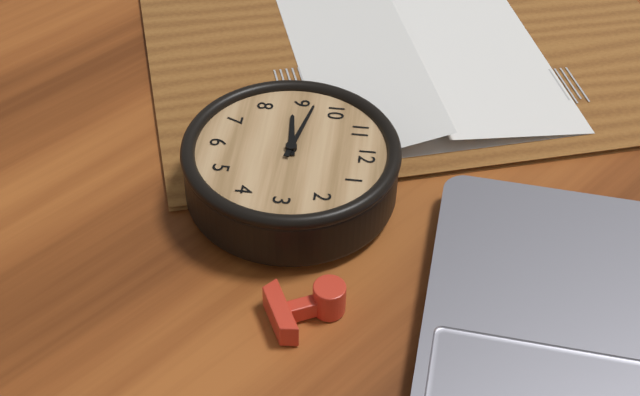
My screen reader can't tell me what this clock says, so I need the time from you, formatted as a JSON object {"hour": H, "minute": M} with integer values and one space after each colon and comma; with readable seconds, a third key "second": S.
{"hour": 8, "minute": 47}
